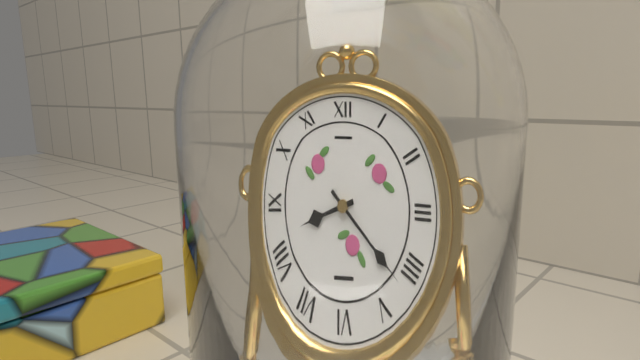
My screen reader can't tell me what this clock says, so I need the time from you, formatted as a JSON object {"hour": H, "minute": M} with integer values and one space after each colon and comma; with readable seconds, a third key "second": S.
{"hour": 8, "minute": 22}
